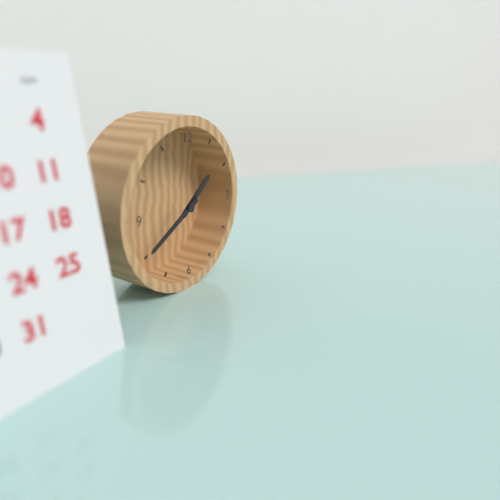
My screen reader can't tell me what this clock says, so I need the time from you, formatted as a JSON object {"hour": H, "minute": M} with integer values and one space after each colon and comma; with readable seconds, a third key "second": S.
{"hour": 1, "minute": 40}
